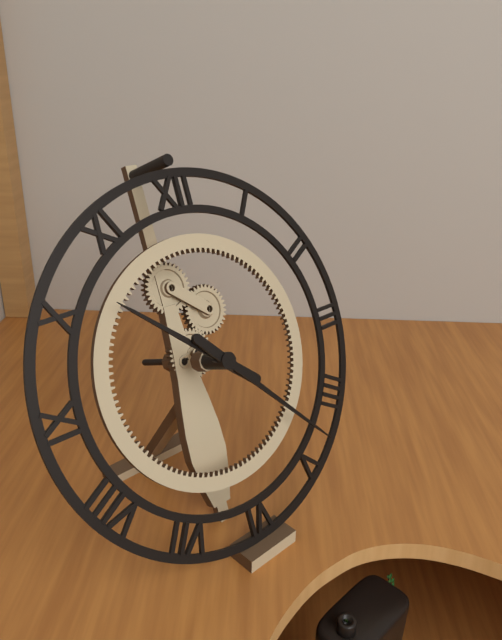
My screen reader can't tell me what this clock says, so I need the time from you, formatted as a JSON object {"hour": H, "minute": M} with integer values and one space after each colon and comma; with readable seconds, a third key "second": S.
{"hour": 10, "minute": 23}
